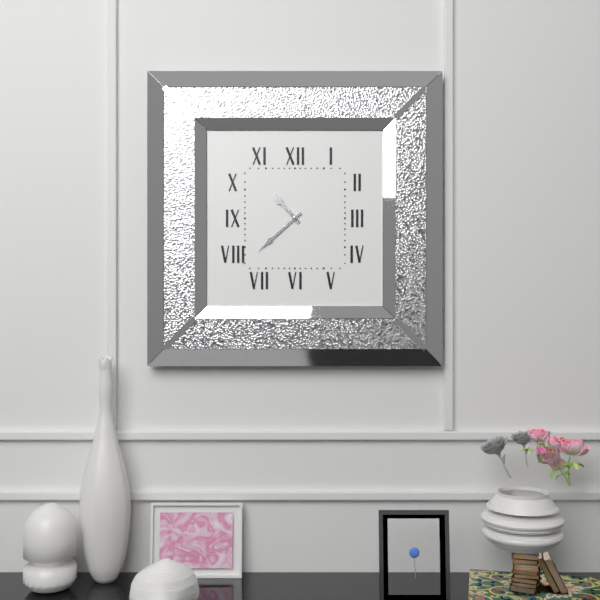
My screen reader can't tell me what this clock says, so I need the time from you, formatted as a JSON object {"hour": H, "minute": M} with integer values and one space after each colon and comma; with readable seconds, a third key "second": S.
{"hour": 10, "minute": 38}
